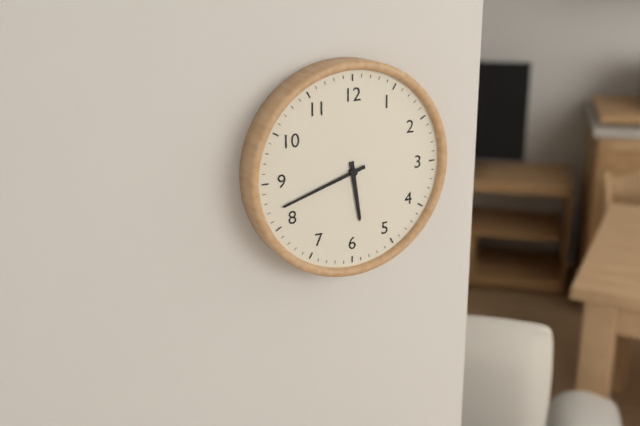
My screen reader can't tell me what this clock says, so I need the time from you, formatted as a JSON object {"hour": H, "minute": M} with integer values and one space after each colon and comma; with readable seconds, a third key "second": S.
{"hour": 5, "minute": 42}
